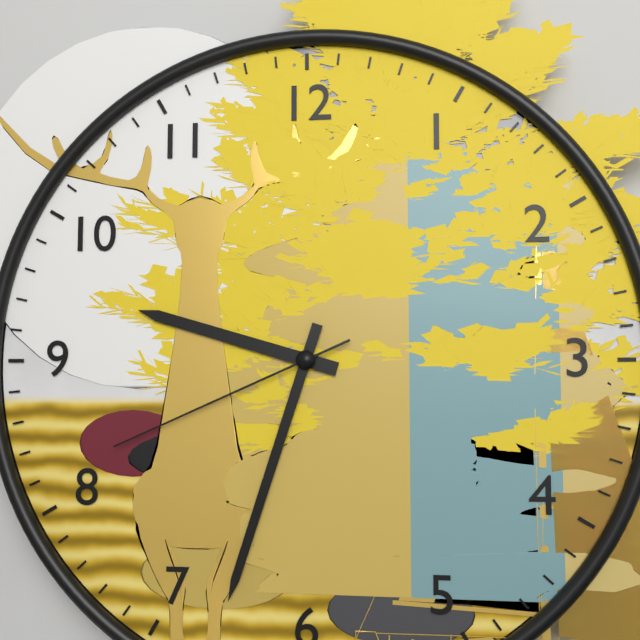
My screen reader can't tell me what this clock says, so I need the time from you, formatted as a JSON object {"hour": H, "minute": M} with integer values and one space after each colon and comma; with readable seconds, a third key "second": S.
{"hour": 9, "minute": 33, "second": 41}
